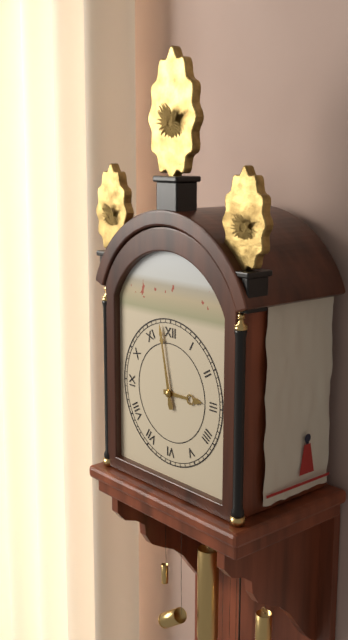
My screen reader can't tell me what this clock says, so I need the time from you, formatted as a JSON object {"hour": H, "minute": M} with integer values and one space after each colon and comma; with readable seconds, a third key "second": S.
{"hour": 2, "minute": 58}
